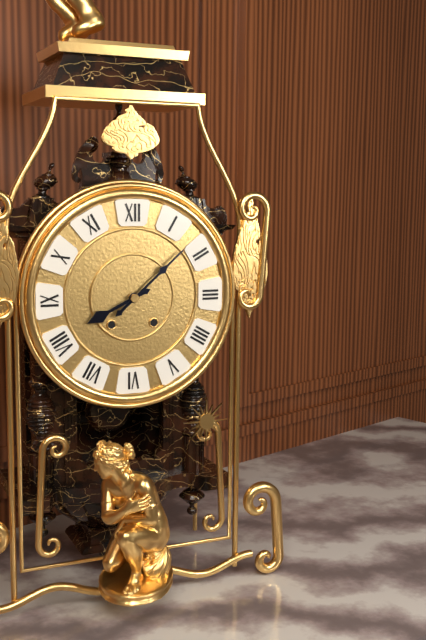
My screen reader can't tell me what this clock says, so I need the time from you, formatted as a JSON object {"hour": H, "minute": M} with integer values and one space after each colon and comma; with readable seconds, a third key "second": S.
{"hour": 8, "minute": 8}
